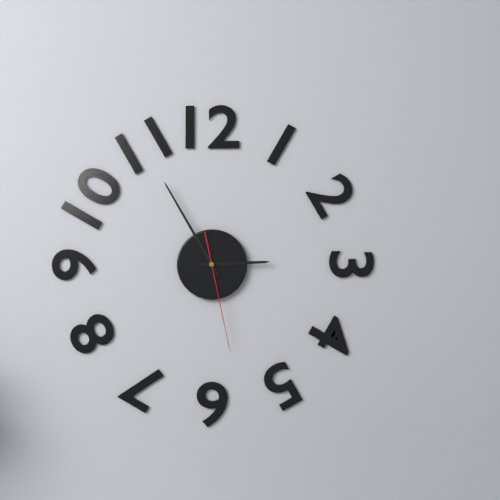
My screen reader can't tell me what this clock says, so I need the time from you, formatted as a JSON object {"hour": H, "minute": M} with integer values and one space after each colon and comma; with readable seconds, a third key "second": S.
{"hour": 2, "minute": 55, "second": 28}
